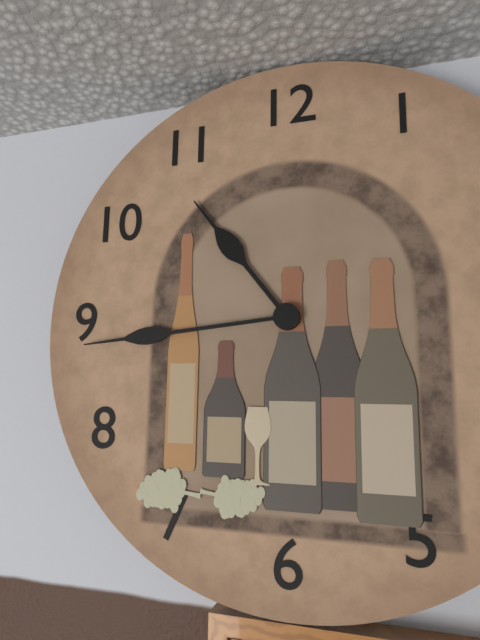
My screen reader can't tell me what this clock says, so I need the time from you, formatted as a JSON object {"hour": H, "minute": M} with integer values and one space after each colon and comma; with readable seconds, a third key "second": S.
{"hour": 10, "minute": 44}
